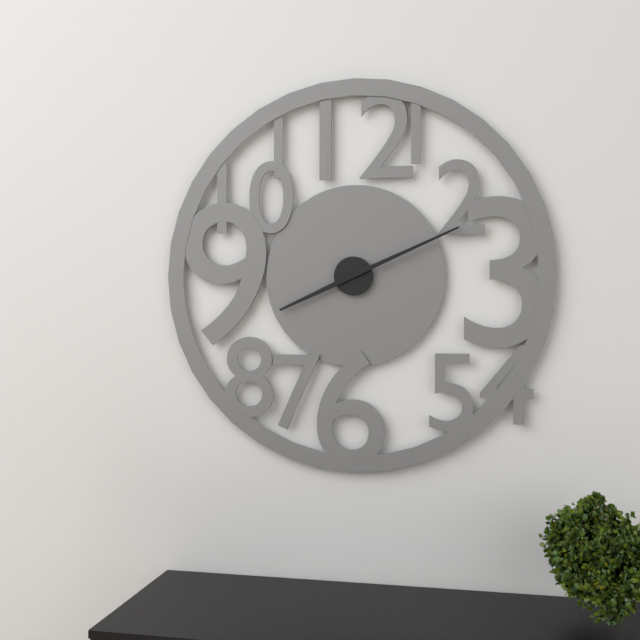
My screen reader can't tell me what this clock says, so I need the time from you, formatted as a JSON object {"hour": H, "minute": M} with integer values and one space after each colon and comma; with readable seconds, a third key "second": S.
{"hour": 8, "minute": 11}
